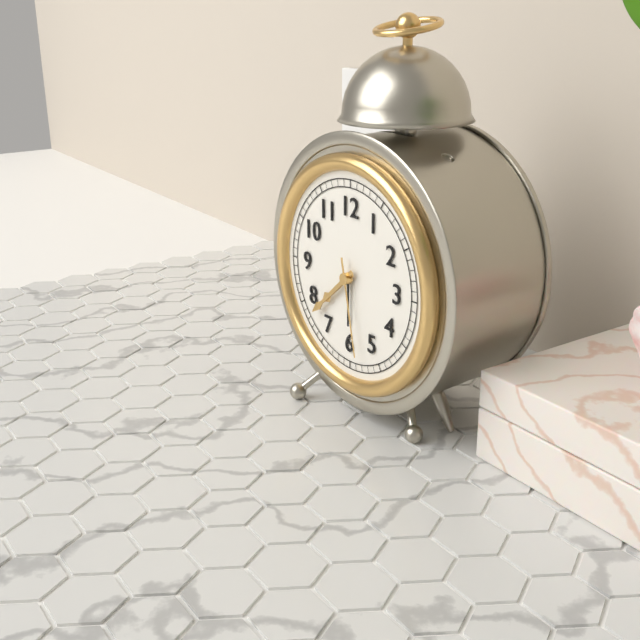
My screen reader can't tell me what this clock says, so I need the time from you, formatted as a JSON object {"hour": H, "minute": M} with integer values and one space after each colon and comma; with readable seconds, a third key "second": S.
{"hour": 7, "minute": 38, "second": 28}
